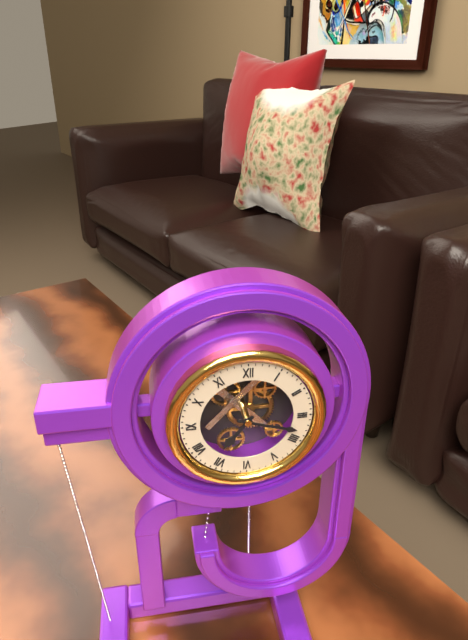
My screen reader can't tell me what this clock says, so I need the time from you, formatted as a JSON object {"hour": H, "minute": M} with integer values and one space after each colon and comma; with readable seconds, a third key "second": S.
{"hour": 7, "minute": 18}
